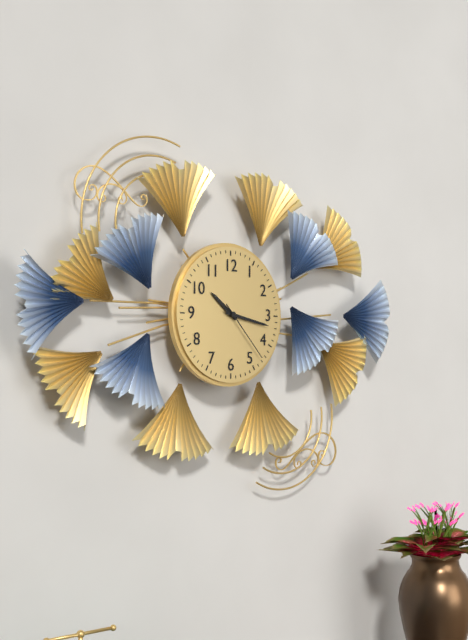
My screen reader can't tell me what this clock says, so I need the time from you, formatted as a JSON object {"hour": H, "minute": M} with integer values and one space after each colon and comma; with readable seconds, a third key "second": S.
{"hour": 10, "minute": 17, "second": 23}
